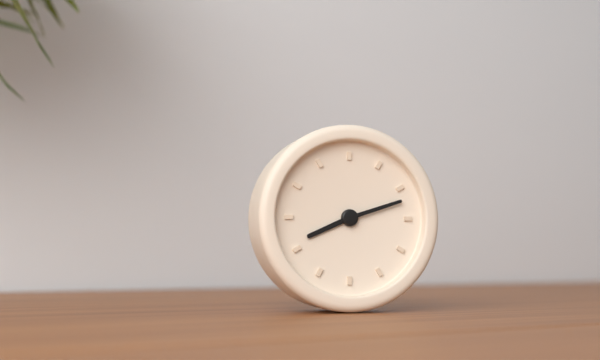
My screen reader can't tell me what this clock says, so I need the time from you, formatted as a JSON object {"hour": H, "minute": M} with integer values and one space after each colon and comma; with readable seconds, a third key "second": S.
{"hour": 8, "minute": 12}
